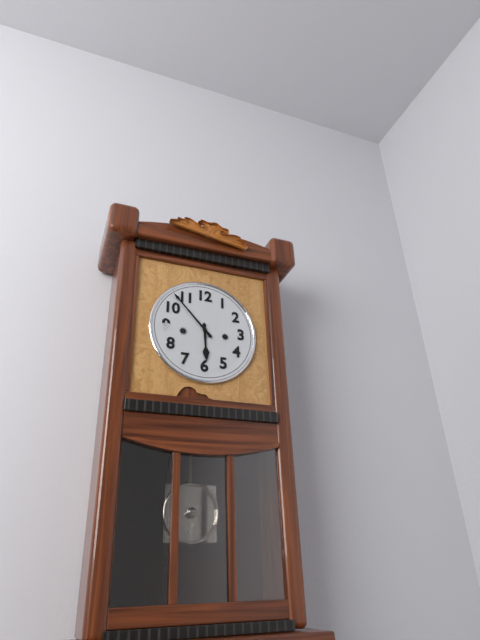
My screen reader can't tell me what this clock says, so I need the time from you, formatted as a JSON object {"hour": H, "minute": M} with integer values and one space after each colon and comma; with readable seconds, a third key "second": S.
{"hour": 5, "minute": 53}
